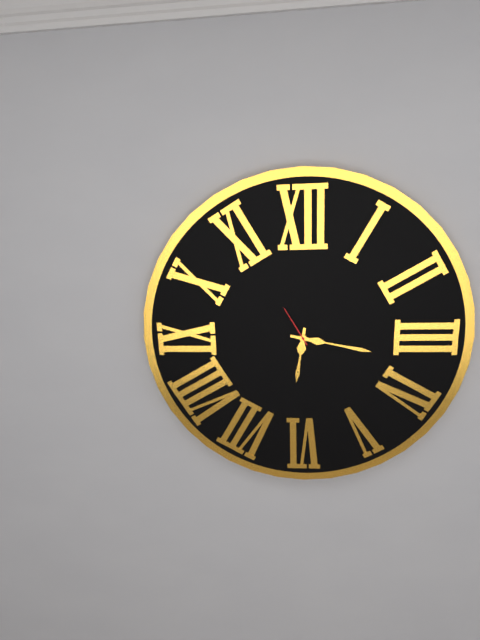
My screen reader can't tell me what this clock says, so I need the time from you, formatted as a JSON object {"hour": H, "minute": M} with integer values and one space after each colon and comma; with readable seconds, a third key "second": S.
{"hour": 6, "minute": 17}
